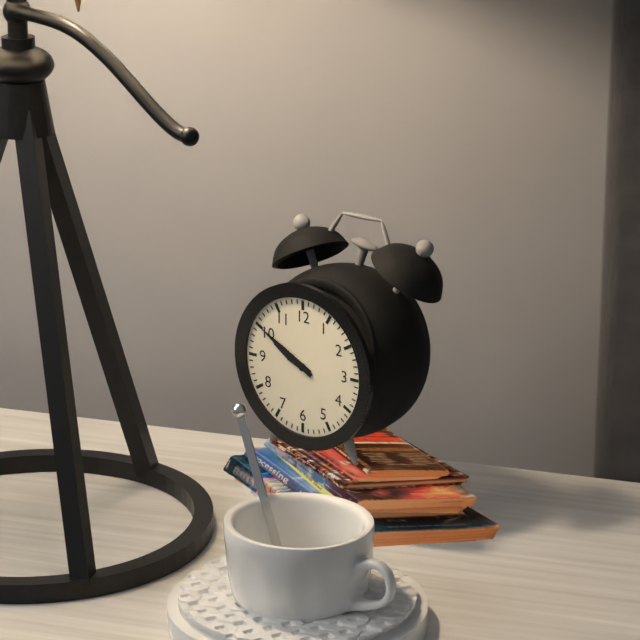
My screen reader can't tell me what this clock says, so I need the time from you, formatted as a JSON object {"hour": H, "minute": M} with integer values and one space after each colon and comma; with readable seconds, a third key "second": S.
{"hour": 9, "minute": 50}
